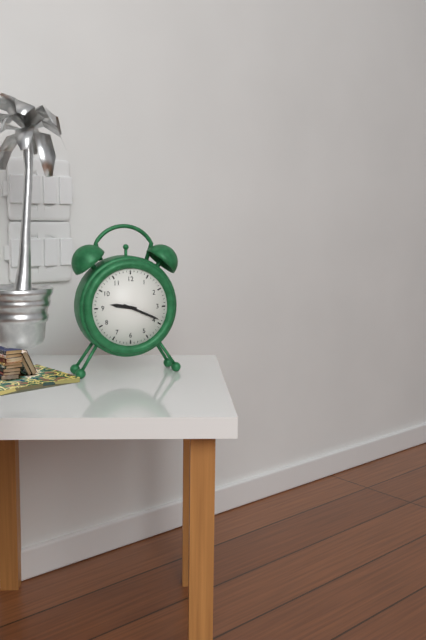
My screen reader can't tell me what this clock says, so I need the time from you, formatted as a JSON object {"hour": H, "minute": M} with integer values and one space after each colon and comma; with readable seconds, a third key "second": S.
{"hour": 9, "minute": 19}
